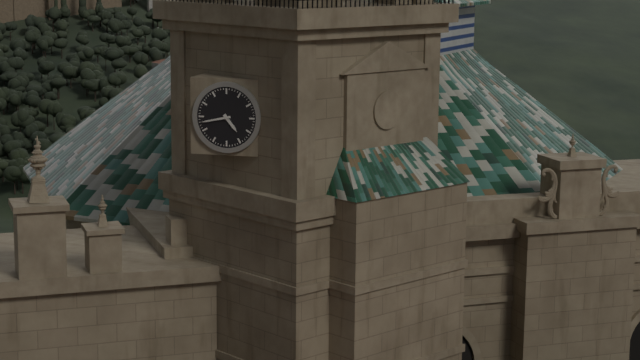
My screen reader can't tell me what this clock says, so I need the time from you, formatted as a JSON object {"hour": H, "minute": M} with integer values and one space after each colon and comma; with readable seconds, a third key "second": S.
{"hour": 4, "minute": 43}
